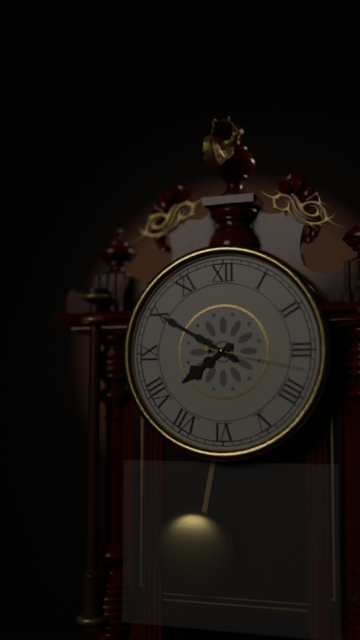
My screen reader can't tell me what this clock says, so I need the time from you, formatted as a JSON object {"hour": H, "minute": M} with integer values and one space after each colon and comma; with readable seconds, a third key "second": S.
{"hour": 7, "minute": 50, "second": 17}
